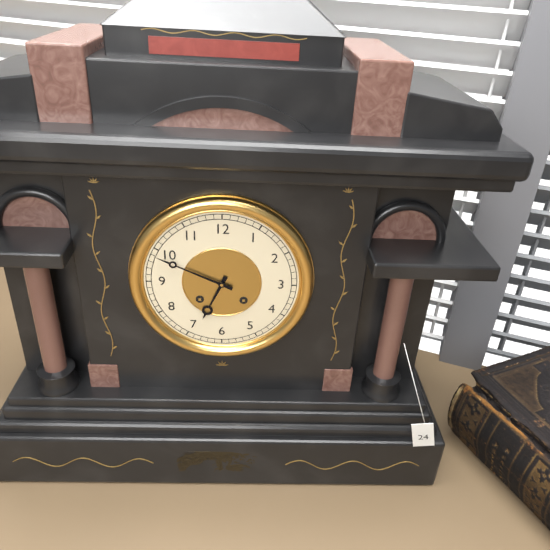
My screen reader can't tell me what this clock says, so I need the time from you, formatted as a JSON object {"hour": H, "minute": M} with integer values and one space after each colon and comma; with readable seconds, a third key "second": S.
{"hour": 6, "minute": 49}
